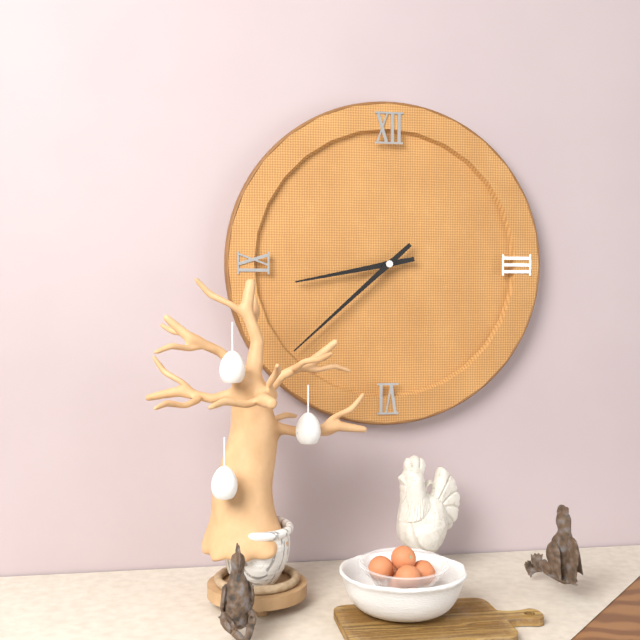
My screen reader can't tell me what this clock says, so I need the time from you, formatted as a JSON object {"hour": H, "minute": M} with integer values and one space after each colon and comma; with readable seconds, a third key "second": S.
{"hour": 8, "minute": 38}
